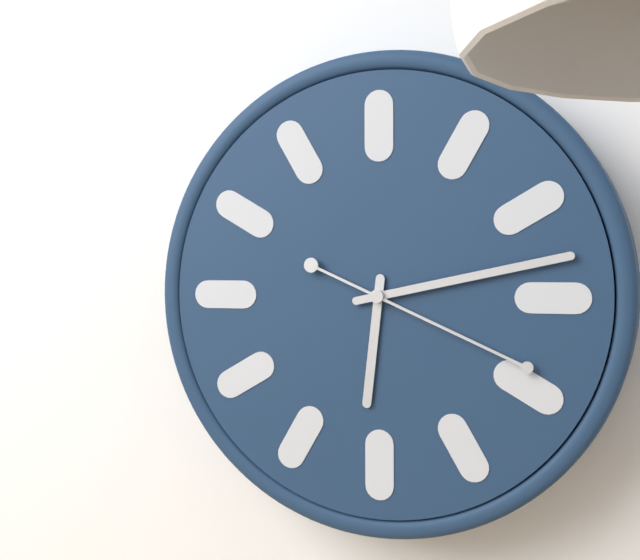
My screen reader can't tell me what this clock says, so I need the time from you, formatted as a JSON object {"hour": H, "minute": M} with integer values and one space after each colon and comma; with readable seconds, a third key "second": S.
{"hour": 6, "minute": 13, "second": 19}
